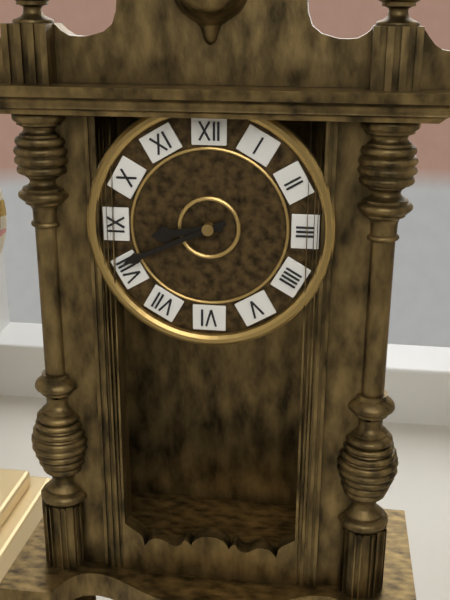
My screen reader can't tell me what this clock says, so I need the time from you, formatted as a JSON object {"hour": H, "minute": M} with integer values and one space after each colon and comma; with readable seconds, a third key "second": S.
{"hour": 8, "minute": 41}
